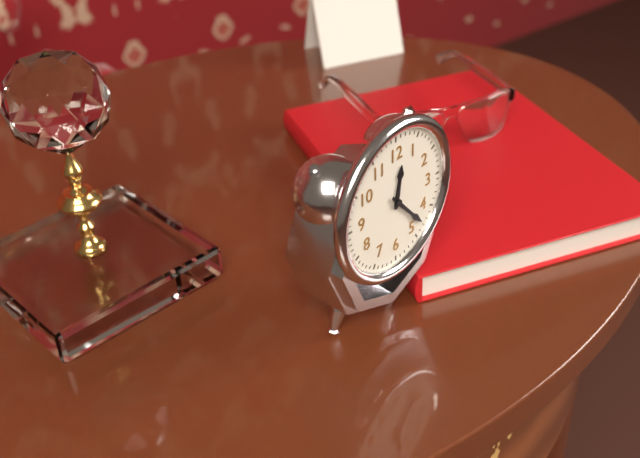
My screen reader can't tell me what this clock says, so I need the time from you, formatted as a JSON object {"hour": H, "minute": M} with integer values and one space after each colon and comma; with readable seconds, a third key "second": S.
{"hour": 12, "minute": 23}
